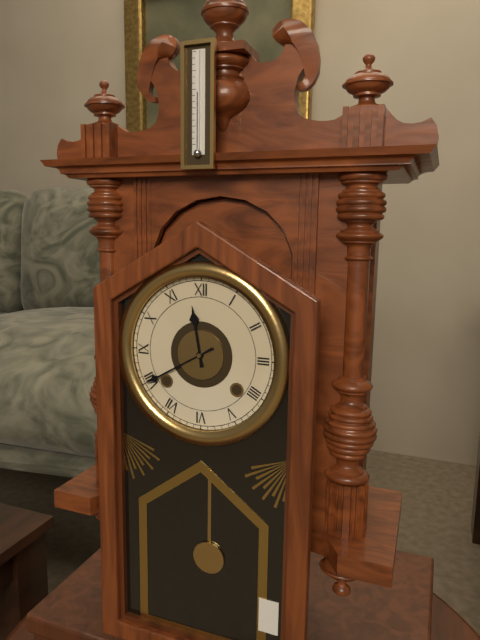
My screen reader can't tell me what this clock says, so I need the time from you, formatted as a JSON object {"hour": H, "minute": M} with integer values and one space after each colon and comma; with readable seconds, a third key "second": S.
{"hour": 11, "minute": 40}
